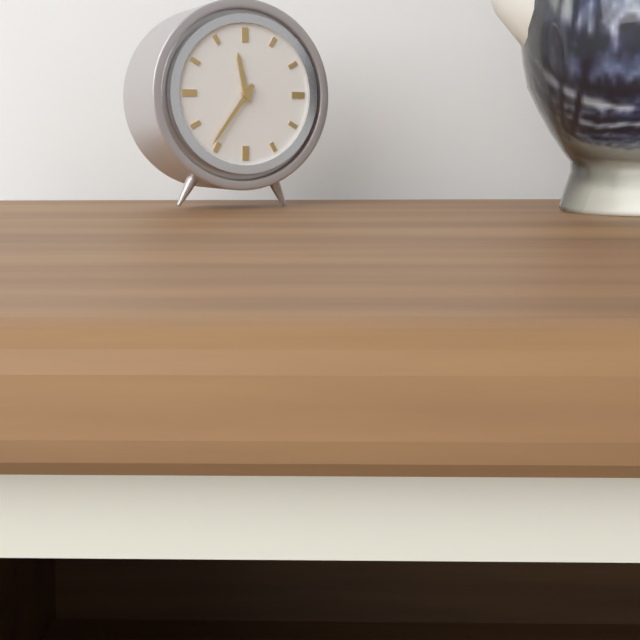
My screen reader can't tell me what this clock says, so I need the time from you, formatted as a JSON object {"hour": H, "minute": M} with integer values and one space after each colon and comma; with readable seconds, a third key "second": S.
{"hour": 11, "minute": 36}
